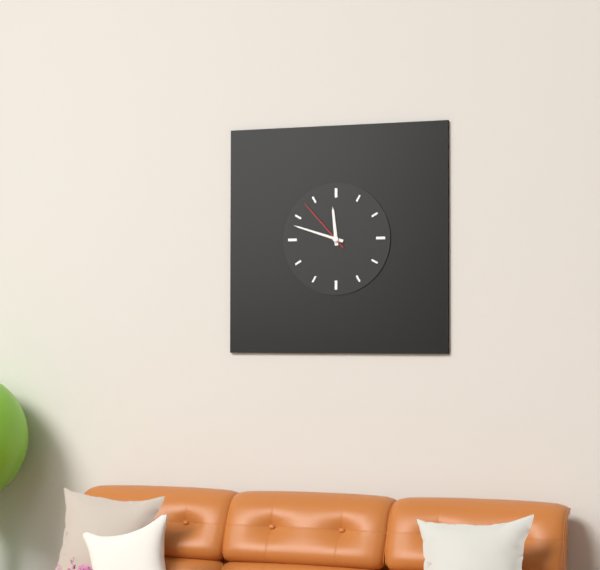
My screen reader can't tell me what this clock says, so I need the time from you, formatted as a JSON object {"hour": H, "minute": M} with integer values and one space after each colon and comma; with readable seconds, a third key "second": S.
{"hour": 11, "minute": 48, "second": 53}
